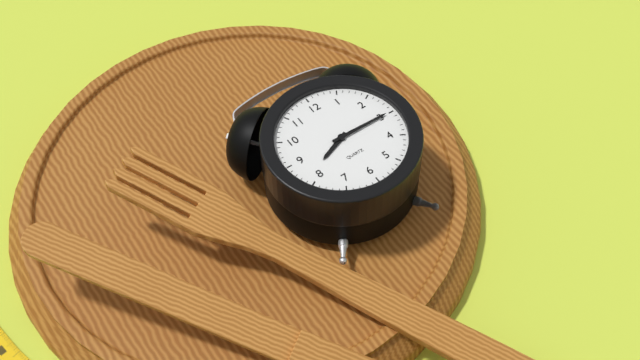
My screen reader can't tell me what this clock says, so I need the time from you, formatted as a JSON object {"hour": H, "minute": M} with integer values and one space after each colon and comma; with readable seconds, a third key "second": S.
{"hour": 8, "minute": 15}
